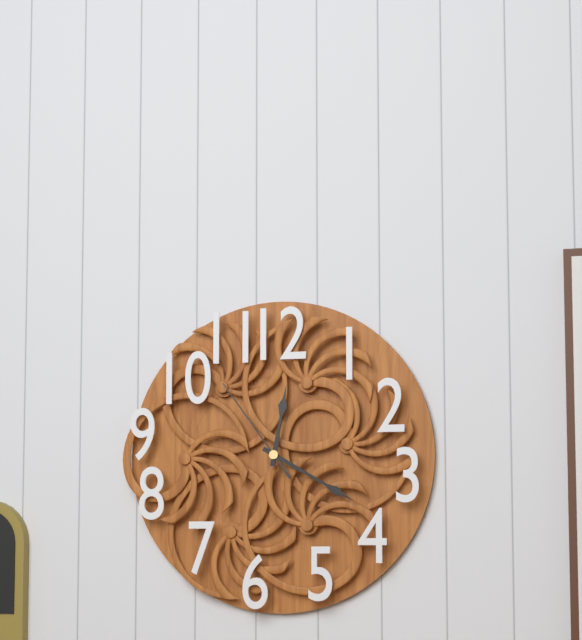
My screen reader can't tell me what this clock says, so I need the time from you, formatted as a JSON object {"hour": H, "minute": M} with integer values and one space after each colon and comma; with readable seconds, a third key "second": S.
{"hour": 12, "minute": 20, "second": 54}
